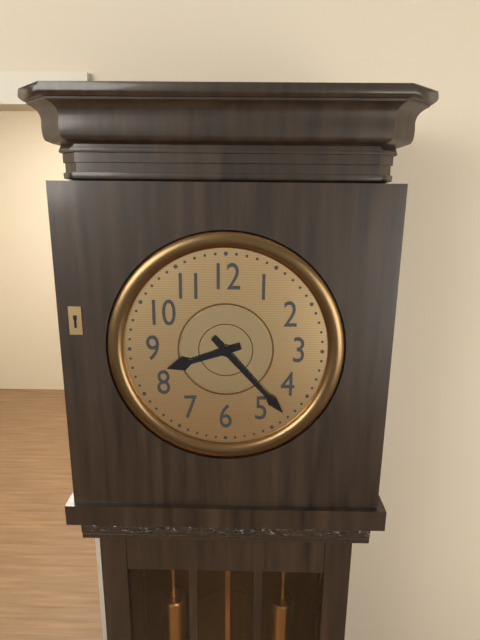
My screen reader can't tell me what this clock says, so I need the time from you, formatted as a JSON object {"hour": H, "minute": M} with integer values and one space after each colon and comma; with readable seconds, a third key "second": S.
{"hour": 8, "minute": 23}
